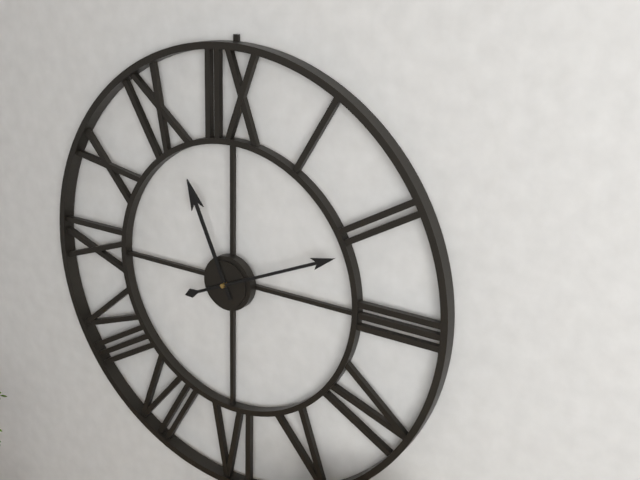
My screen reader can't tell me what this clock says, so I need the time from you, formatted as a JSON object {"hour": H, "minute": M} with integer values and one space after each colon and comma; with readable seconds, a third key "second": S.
{"hour": 11, "minute": 11}
